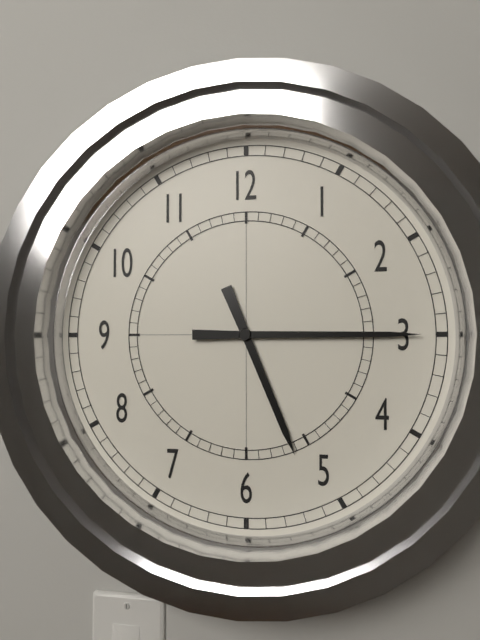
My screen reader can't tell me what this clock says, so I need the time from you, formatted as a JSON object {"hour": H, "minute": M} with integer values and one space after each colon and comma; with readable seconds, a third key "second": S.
{"hour": 5, "minute": 15}
